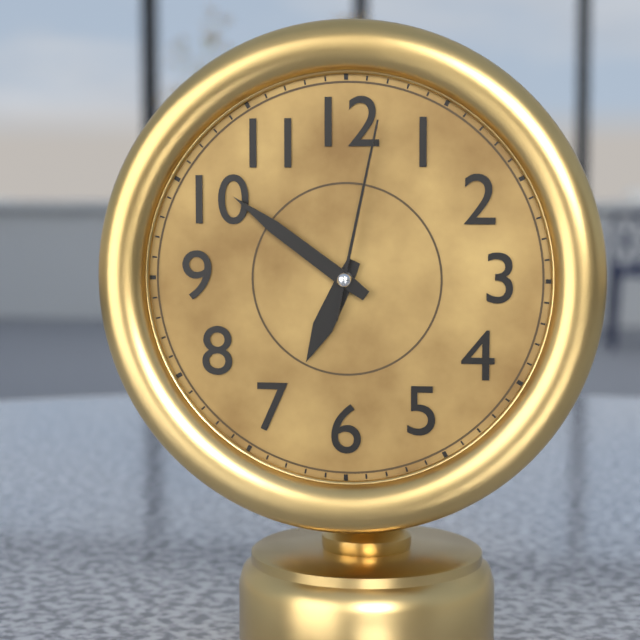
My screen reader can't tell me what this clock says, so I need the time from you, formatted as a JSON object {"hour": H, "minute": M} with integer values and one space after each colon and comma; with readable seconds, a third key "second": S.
{"hour": 6, "minute": 51, "second": 2}
